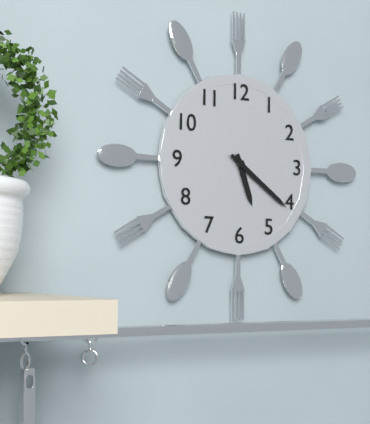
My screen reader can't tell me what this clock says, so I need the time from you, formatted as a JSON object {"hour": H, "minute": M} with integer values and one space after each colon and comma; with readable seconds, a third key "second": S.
{"hour": 5, "minute": 21}
